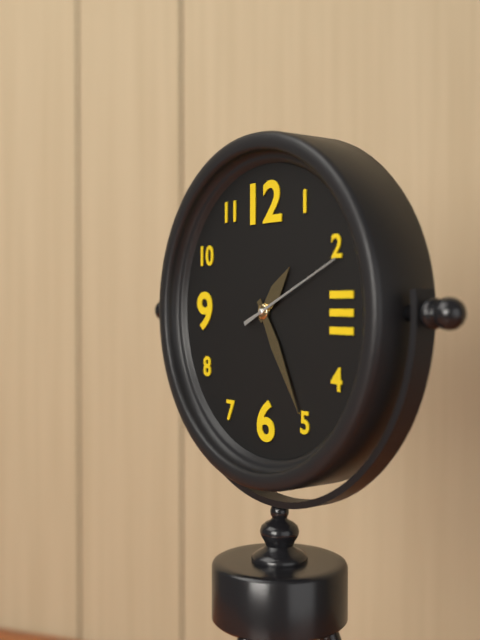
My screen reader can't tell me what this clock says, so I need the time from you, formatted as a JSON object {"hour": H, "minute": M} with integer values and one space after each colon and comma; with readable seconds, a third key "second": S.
{"hour": 1, "minute": 25, "second": 11}
